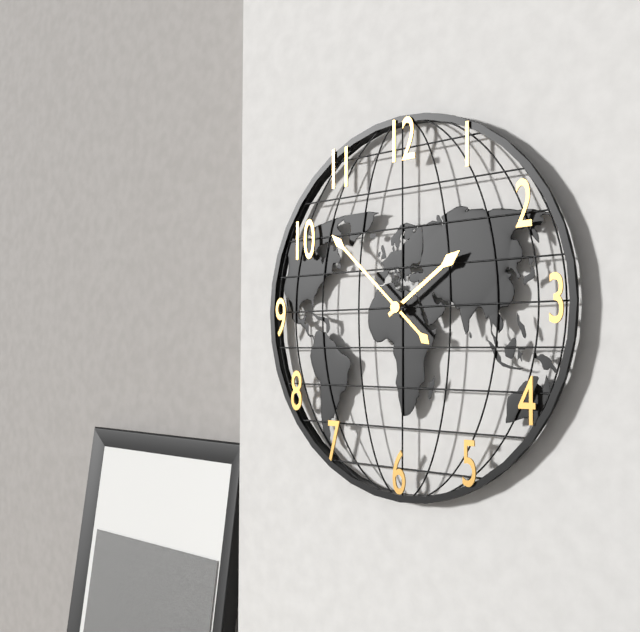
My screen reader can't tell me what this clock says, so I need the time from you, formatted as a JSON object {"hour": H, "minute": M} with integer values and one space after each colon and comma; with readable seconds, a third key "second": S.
{"hour": 1, "minute": 52}
